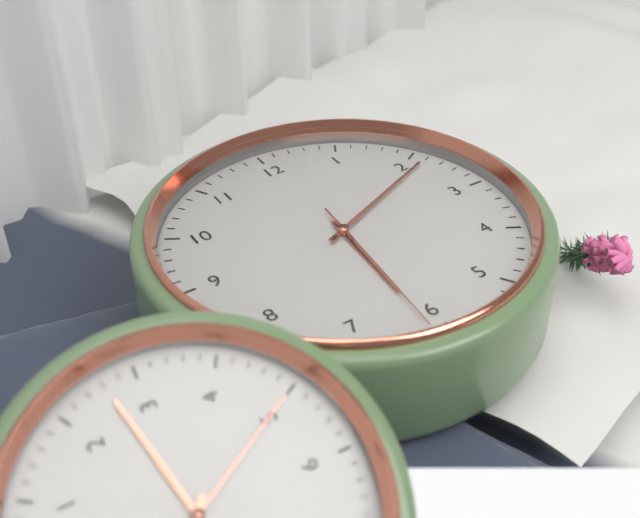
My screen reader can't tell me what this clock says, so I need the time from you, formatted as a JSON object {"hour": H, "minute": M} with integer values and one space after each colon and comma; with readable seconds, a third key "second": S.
{"hour": 6, "minute": 11, "second": 31}
